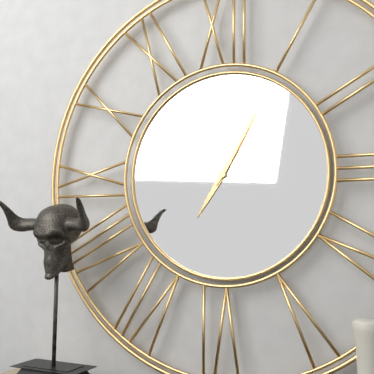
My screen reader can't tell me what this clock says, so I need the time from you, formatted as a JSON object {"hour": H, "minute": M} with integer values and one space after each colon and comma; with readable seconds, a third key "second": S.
{"hour": 7, "minute": 5}
